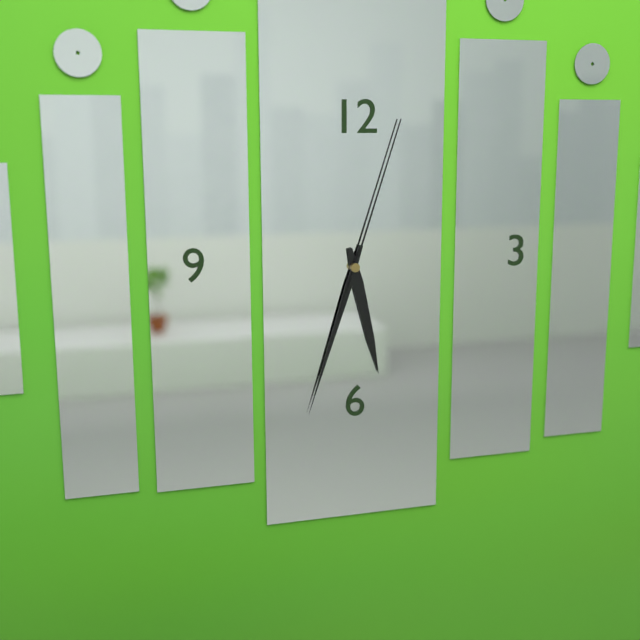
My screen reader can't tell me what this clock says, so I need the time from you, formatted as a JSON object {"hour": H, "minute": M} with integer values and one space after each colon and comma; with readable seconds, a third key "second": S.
{"hour": 5, "minute": 33, "second": 3}
